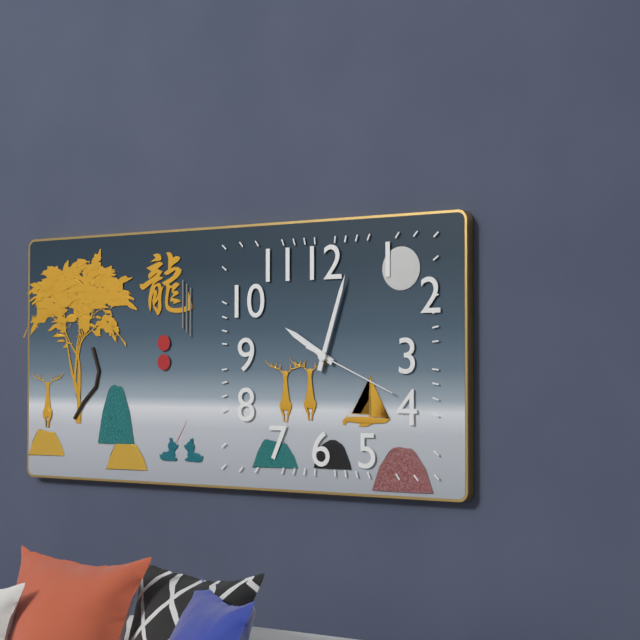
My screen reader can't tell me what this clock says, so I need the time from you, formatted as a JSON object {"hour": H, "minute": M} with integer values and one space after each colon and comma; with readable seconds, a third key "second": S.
{"hour": 10, "minute": 3, "second": 19}
